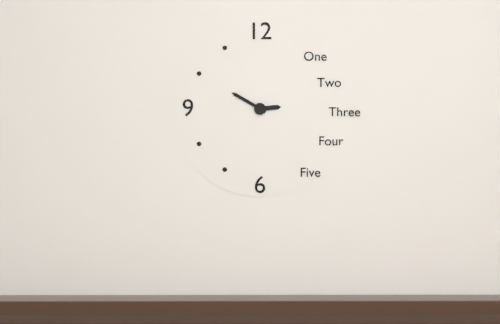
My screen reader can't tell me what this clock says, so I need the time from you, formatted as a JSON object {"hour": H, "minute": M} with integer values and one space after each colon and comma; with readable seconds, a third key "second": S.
{"hour": 2, "minute": 50}
